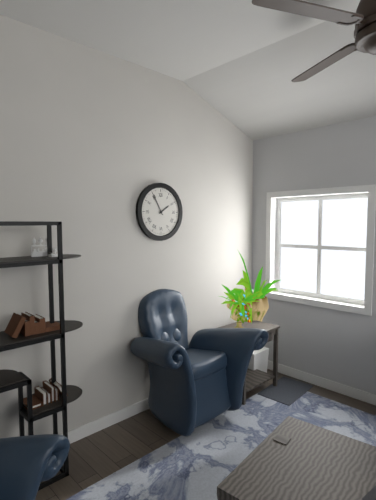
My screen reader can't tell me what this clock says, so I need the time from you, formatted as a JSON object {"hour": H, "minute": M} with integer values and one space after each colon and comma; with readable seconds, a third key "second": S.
{"hour": 1, "minute": 55}
